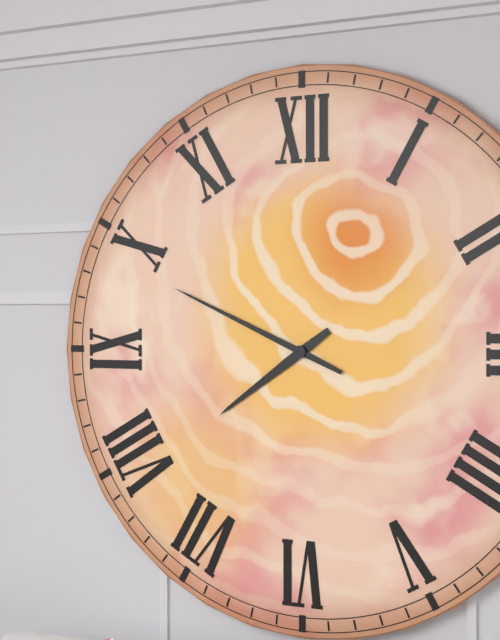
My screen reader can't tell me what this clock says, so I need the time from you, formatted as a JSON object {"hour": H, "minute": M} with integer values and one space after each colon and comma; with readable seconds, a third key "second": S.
{"hour": 7, "minute": 49}
